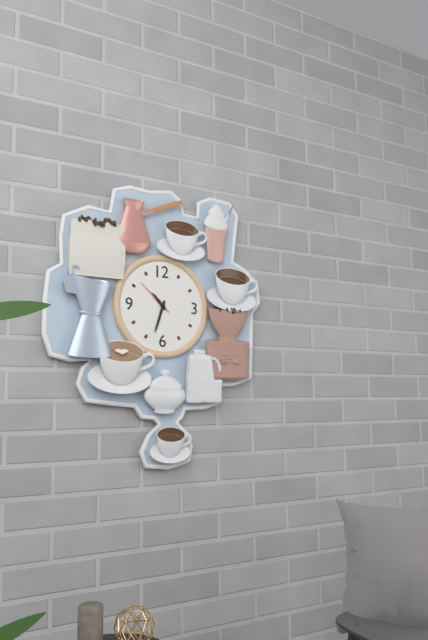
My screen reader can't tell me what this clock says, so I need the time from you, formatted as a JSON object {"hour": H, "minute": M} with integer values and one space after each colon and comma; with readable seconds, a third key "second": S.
{"hour": 10, "minute": 33}
